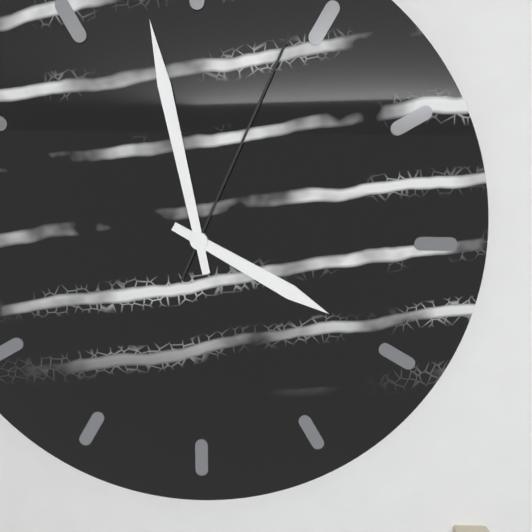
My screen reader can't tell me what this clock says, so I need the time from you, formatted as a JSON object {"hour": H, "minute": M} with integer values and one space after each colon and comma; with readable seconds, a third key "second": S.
{"hour": 3, "minute": 58, "second": 4}
